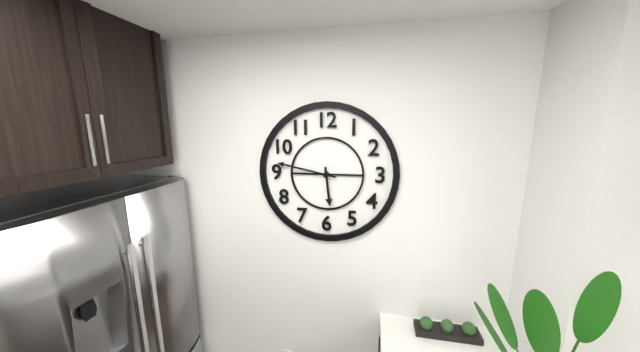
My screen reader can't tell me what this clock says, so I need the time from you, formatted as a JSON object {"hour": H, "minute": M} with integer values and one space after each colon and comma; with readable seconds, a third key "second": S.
{"hour": 5, "minute": 47}
